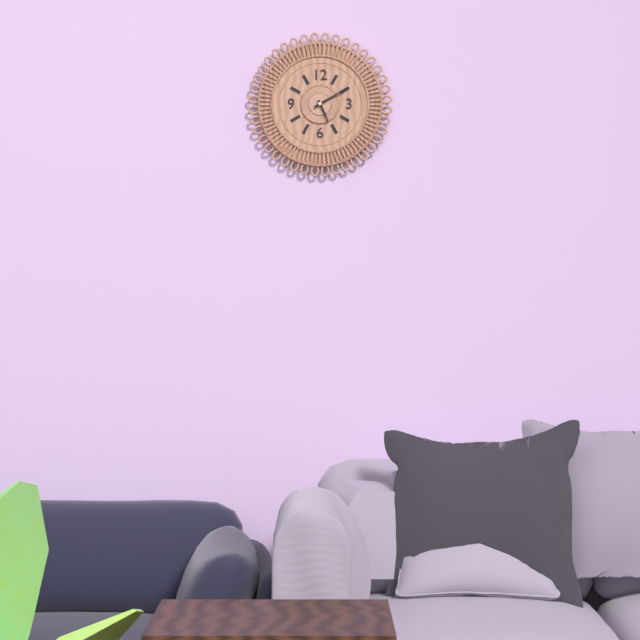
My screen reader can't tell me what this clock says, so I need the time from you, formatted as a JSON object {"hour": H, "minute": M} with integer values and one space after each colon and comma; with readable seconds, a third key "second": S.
{"hour": 5, "minute": 10}
